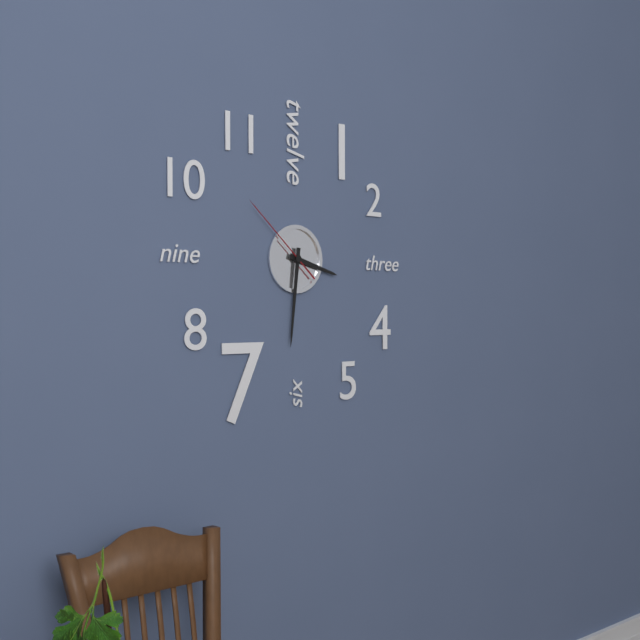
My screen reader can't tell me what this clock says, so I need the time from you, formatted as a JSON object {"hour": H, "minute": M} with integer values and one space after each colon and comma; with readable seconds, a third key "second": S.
{"hour": 3, "minute": 31, "second": 52}
